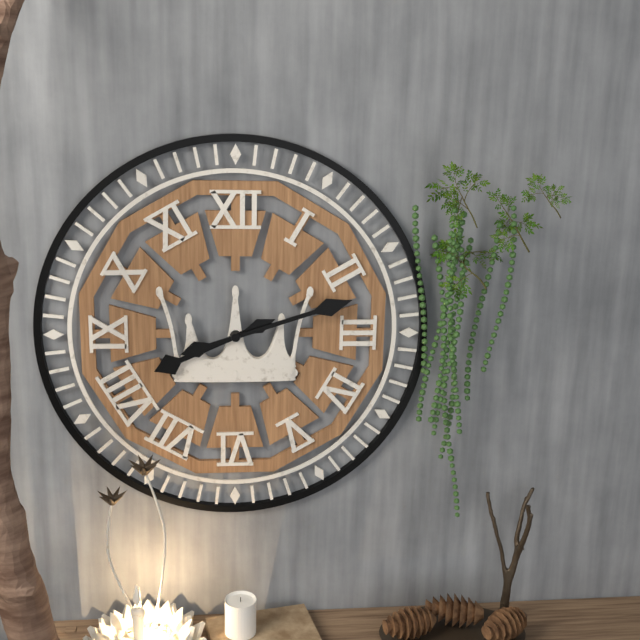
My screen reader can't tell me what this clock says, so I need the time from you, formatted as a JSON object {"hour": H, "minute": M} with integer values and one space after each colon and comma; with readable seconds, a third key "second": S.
{"hour": 8, "minute": 12}
